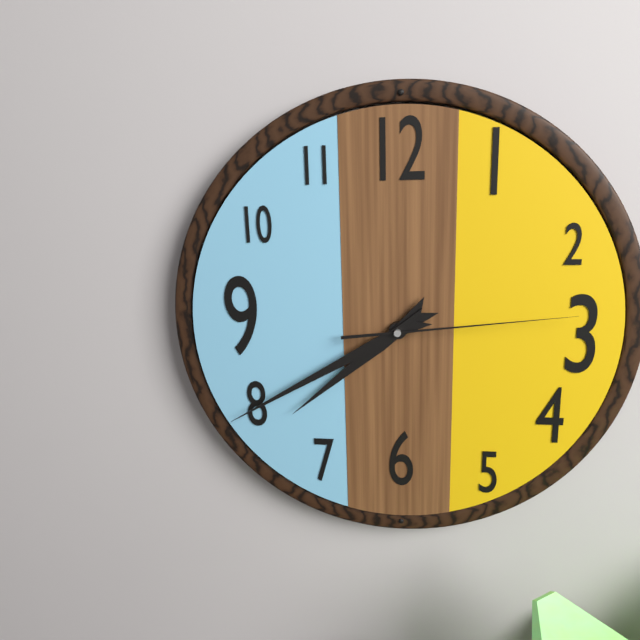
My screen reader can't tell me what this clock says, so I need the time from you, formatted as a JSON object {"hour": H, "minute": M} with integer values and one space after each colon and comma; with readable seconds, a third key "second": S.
{"hour": 7, "minute": 40, "second": 14}
